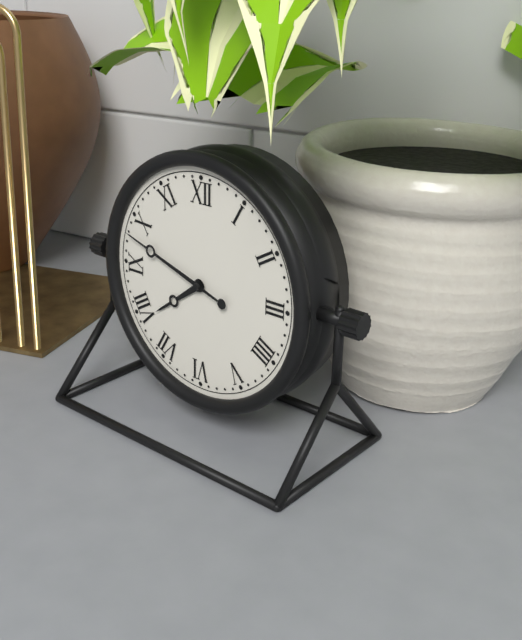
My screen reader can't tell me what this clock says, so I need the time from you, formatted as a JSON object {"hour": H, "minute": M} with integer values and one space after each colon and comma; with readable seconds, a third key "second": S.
{"hour": 7, "minute": 48}
